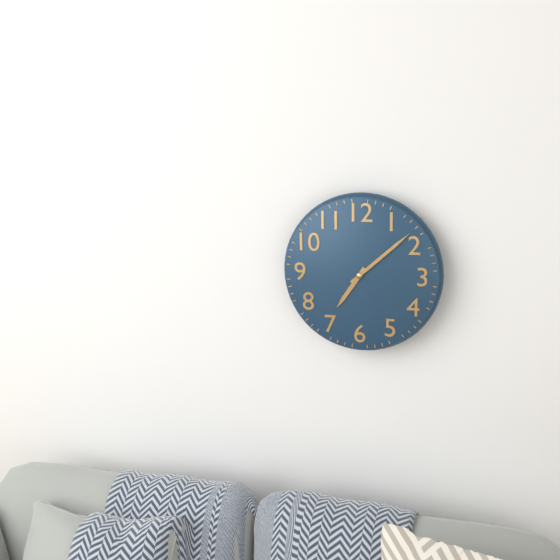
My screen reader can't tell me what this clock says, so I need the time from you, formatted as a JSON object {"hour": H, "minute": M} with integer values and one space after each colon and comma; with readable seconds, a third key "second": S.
{"hour": 7, "minute": 8}
